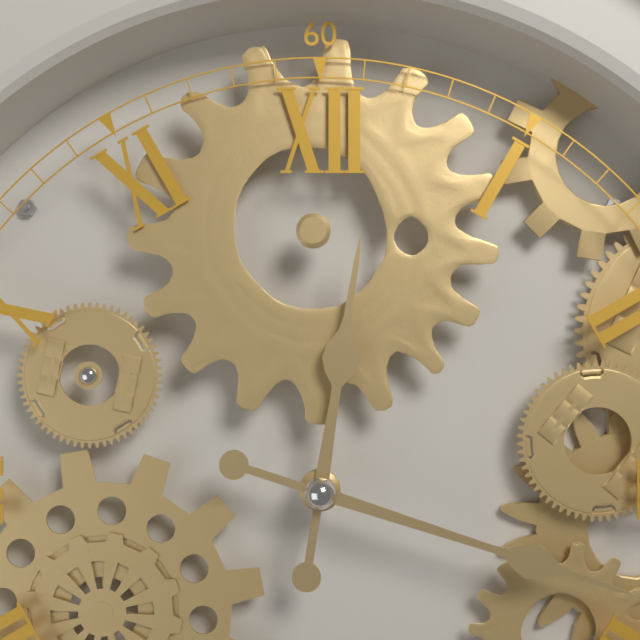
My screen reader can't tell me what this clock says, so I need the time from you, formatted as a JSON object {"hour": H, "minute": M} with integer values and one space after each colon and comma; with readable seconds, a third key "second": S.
{"hour": 12, "minute": 18}
